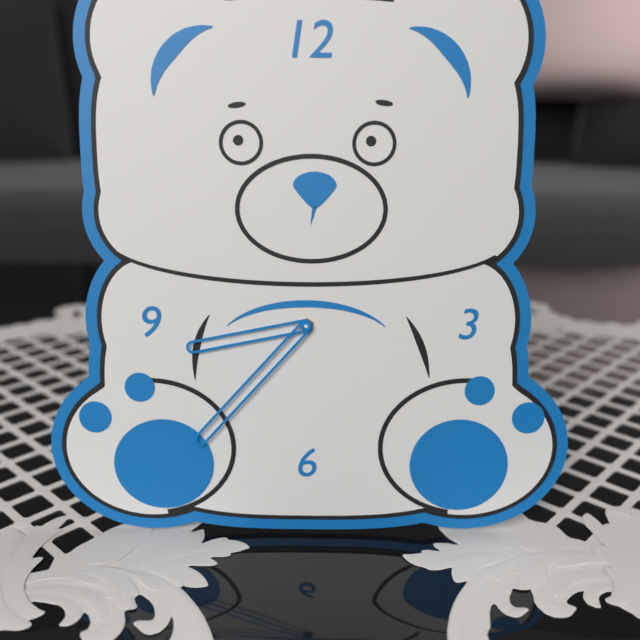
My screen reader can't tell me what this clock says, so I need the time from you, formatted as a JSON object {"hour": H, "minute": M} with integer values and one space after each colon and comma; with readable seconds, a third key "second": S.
{"hour": 8, "minute": 37}
